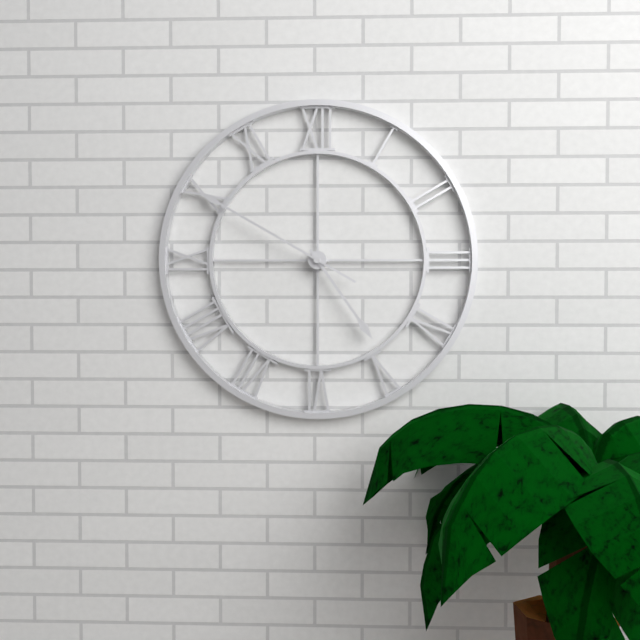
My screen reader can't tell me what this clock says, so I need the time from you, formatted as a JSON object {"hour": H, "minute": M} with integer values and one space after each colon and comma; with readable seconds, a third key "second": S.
{"hour": 4, "minute": 50}
